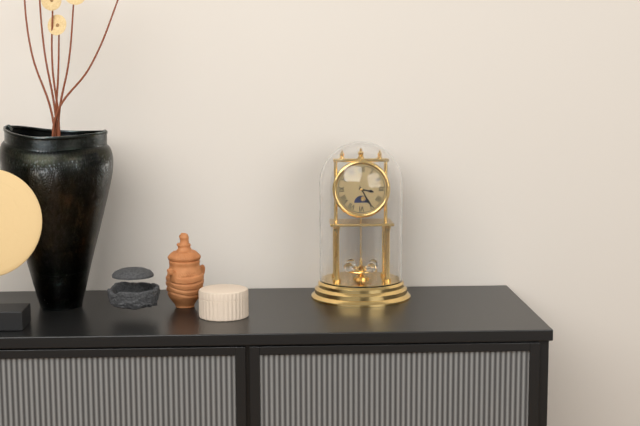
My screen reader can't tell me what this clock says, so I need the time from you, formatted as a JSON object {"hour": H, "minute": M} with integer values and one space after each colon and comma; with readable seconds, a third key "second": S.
{"hour": 3, "minute": 25}
